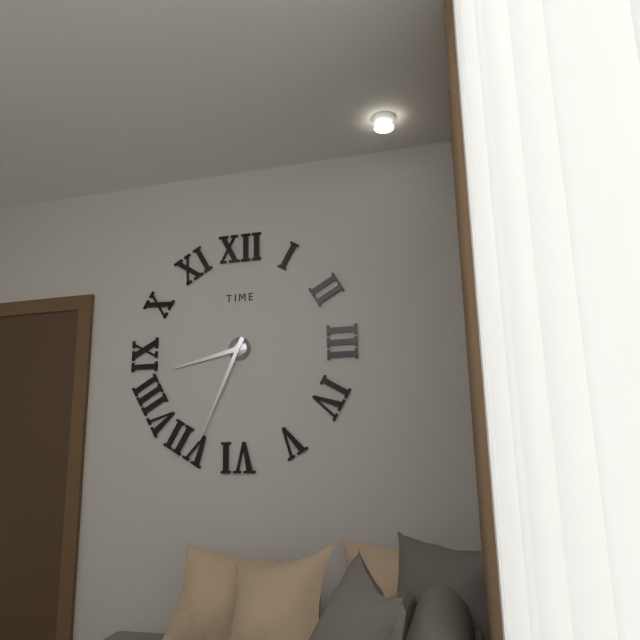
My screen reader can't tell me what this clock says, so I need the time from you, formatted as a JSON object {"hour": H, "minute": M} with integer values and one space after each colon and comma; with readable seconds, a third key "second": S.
{"hour": 8, "minute": 34}
